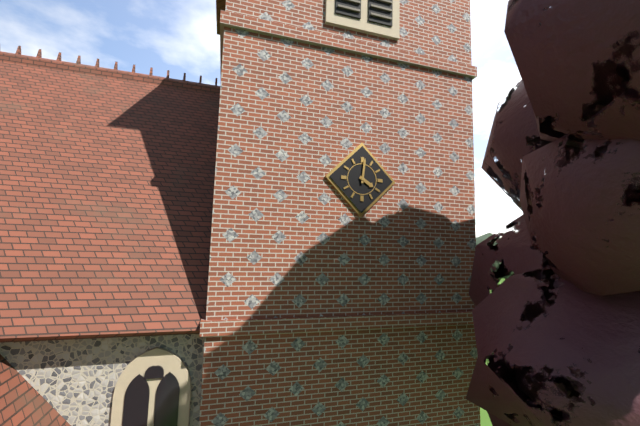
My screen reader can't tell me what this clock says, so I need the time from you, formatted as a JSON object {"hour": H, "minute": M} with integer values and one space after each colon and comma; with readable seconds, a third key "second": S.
{"hour": 4, "minute": 1}
